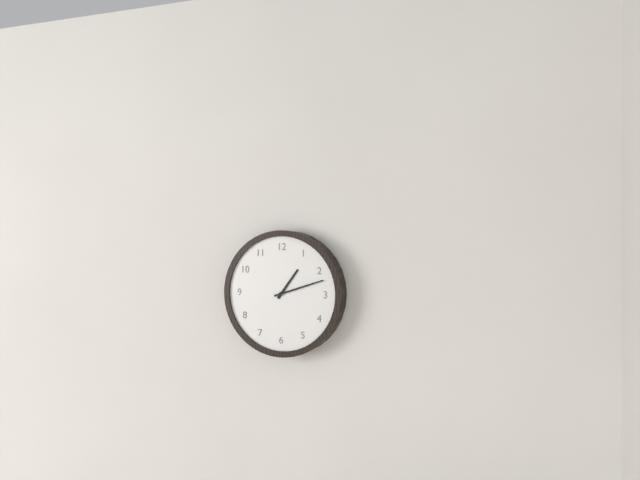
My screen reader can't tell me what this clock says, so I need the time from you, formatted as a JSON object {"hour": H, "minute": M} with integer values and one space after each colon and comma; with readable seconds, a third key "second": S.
{"hour": 1, "minute": 12}
